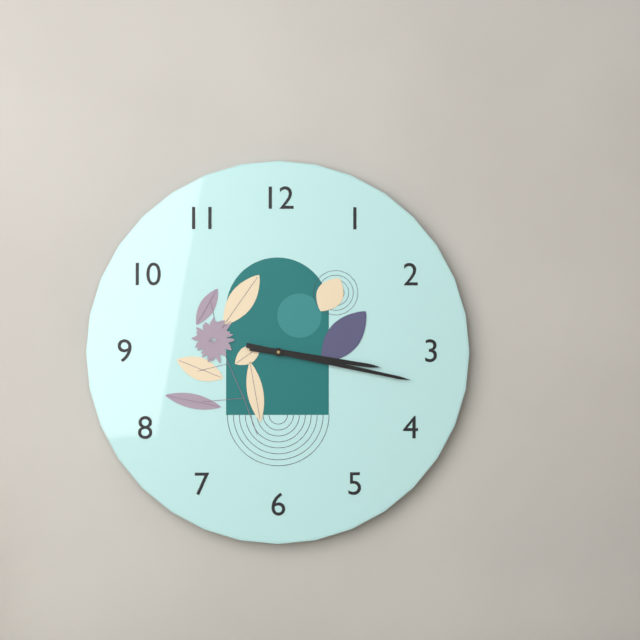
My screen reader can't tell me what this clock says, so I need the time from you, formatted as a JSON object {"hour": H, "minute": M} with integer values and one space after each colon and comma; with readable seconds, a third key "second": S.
{"hour": 3, "minute": 17}
